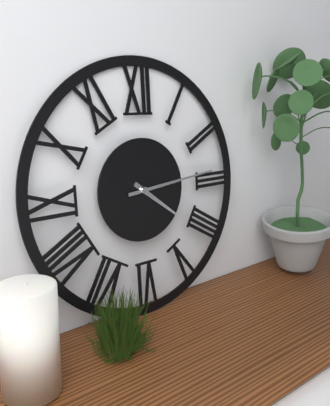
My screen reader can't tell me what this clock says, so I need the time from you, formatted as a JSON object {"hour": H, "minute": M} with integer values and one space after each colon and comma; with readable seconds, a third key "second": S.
{"hour": 4, "minute": 14}
